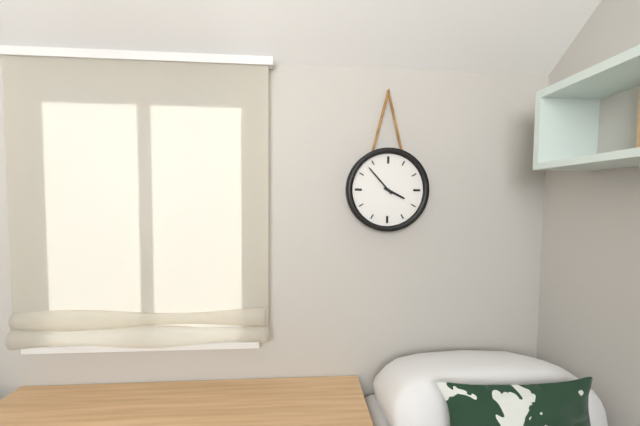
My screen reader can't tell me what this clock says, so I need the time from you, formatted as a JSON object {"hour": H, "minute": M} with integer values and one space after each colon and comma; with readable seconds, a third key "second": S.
{"hour": 3, "minute": 53}
